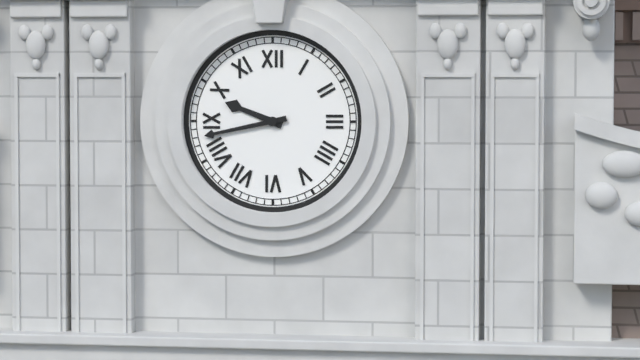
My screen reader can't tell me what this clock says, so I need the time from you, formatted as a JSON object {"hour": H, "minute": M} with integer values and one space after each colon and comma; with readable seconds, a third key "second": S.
{"hour": 9, "minute": 43}
